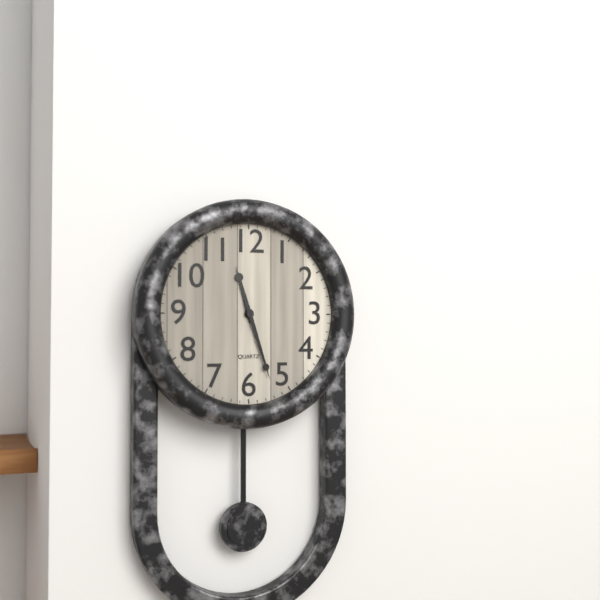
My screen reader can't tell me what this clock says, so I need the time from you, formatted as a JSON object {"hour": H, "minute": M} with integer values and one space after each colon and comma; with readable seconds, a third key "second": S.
{"hour": 11, "minute": 27}
